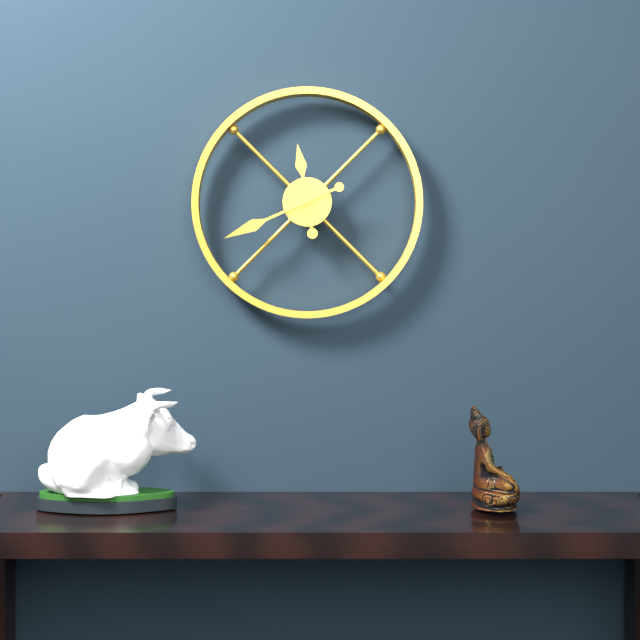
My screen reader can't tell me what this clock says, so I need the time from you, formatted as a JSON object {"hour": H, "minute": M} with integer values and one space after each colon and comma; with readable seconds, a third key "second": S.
{"hour": 11, "minute": 41}
